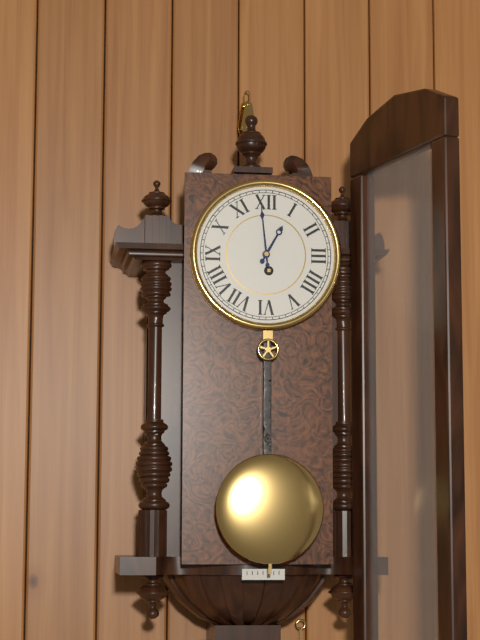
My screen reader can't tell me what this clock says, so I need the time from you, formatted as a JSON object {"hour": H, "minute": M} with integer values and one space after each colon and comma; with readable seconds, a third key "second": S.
{"hour": 12, "minute": 59}
